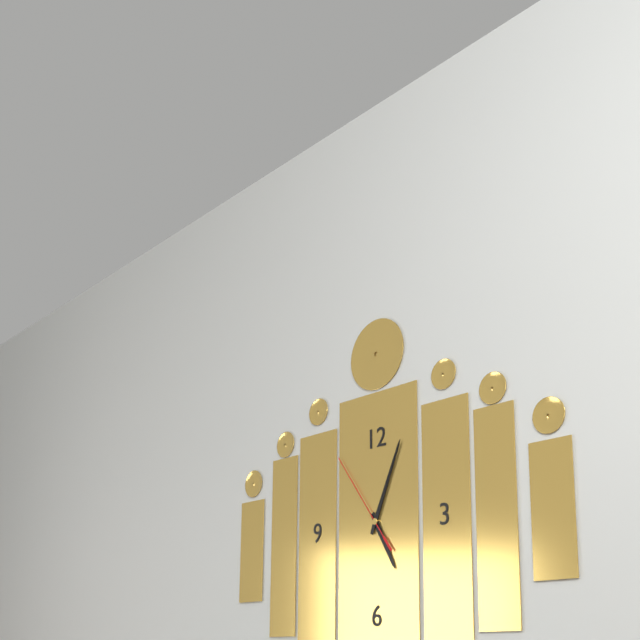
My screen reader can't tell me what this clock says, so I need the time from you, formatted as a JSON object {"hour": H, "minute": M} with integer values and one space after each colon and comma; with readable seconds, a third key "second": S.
{"hour": 5, "minute": 4, "second": 54}
